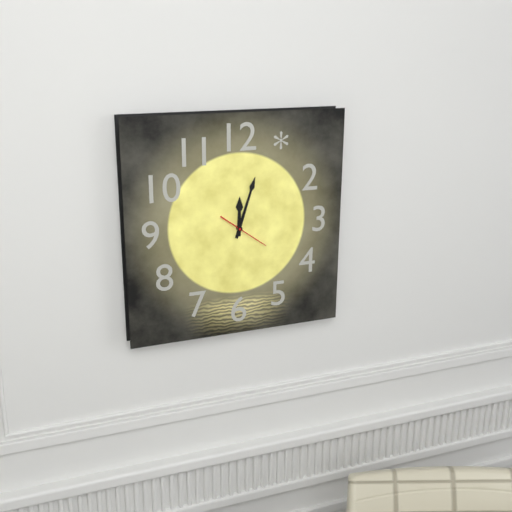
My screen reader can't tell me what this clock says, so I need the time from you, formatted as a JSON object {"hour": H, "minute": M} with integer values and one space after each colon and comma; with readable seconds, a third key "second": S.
{"hour": 12, "minute": 3}
